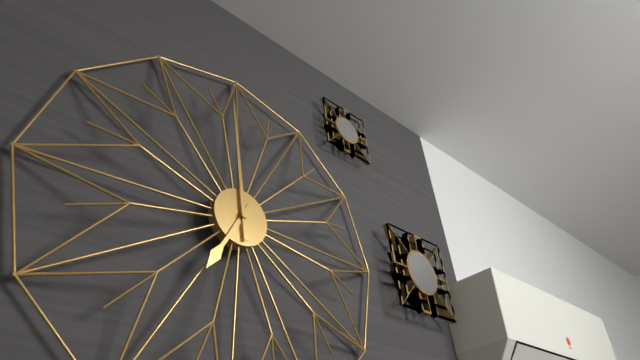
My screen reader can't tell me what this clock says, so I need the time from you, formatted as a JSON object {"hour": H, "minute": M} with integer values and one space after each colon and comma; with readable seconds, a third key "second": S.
{"hour": 6, "minute": 59}
